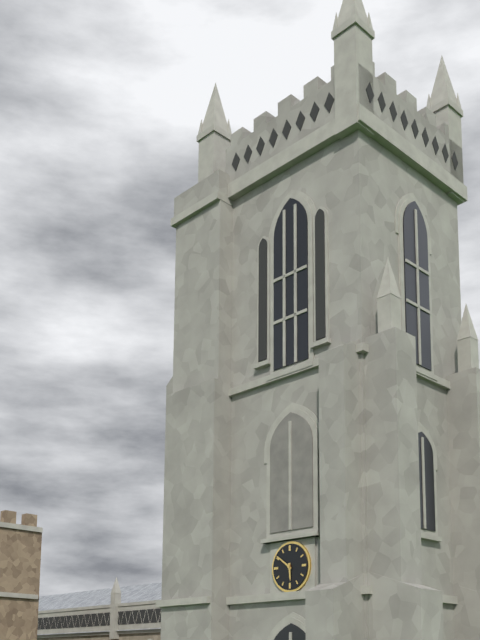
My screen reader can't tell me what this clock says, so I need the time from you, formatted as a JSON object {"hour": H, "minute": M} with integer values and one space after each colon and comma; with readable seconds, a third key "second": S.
{"hour": 5, "minute": 51}
